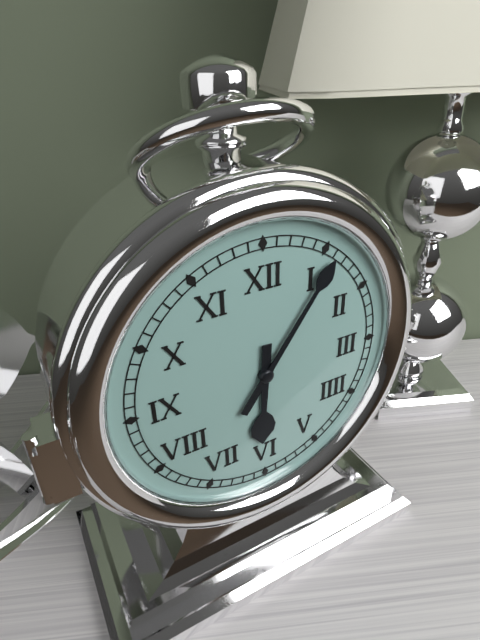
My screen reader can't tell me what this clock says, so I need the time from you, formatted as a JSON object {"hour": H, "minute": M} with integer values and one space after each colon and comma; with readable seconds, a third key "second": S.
{"hour": 6, "minute": 6}
